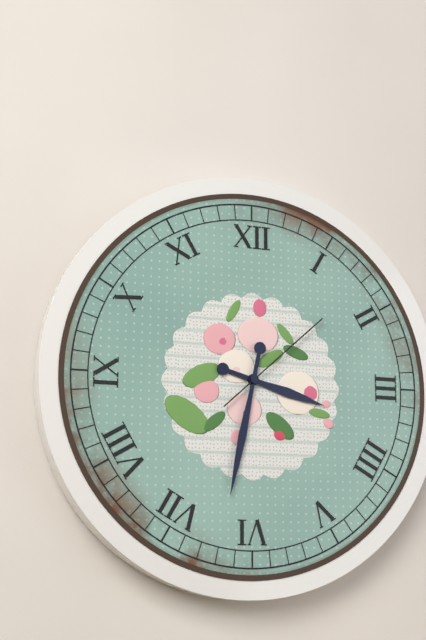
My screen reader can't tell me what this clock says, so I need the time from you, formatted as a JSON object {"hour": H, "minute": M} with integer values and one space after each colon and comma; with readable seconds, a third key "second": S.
{"hour": 3, "minute": 32, "second": 8}
